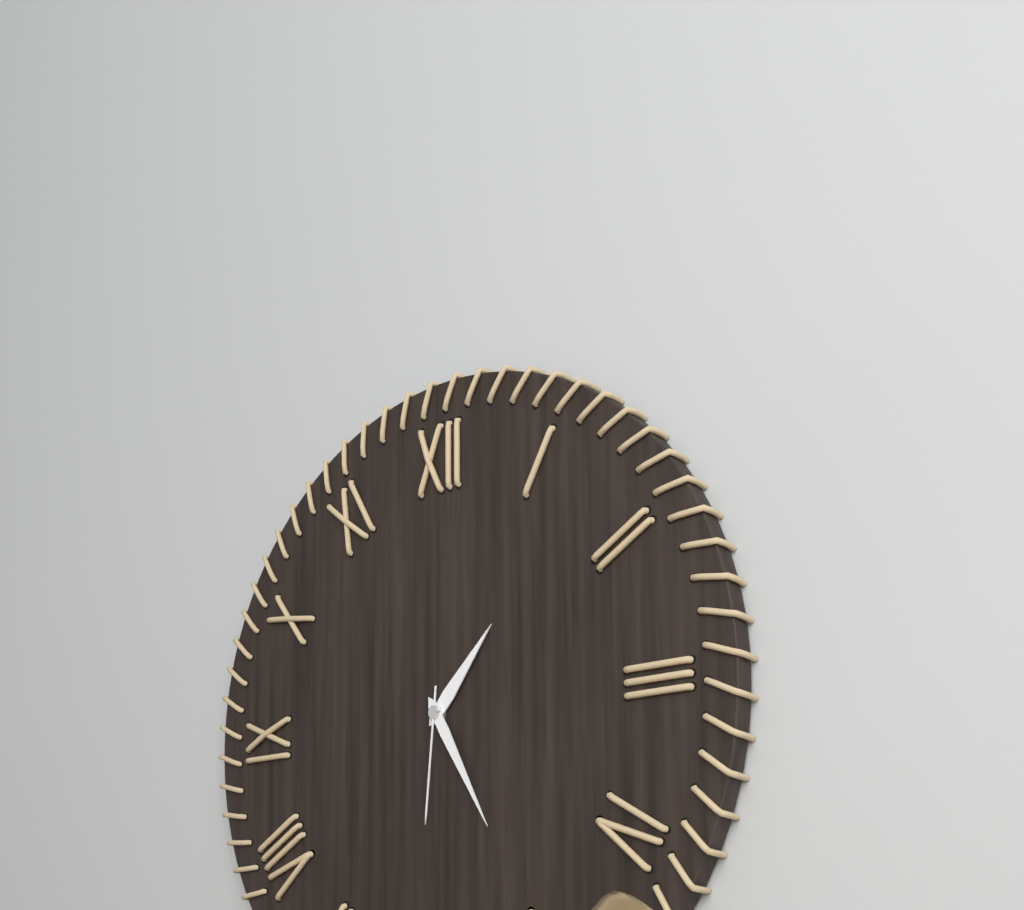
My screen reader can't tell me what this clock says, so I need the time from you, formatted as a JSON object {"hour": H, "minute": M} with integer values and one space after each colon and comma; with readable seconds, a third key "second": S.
{"hour": 1, "minute": 25, "second": 31}
